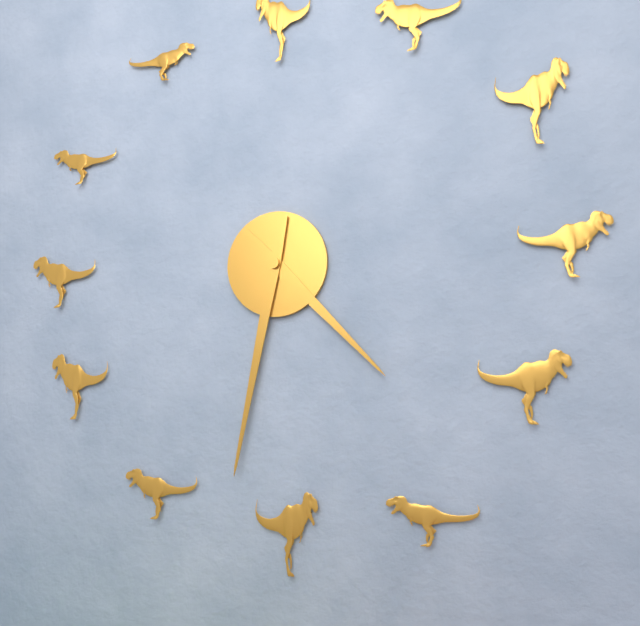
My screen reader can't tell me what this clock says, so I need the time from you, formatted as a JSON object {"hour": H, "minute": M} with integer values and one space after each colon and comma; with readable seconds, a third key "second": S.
{"hour": 4, "minute": 32}
